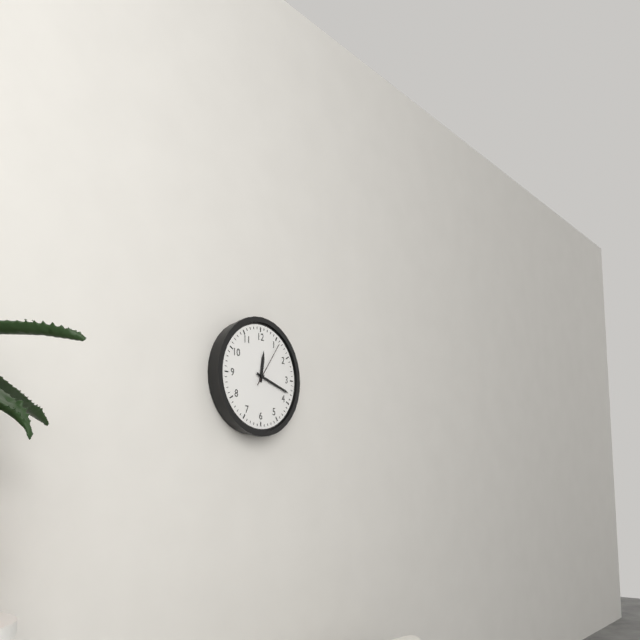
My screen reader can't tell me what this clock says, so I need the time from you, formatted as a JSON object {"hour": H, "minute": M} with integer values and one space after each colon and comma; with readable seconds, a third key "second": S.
{"hour": 12, "minute": 18}
